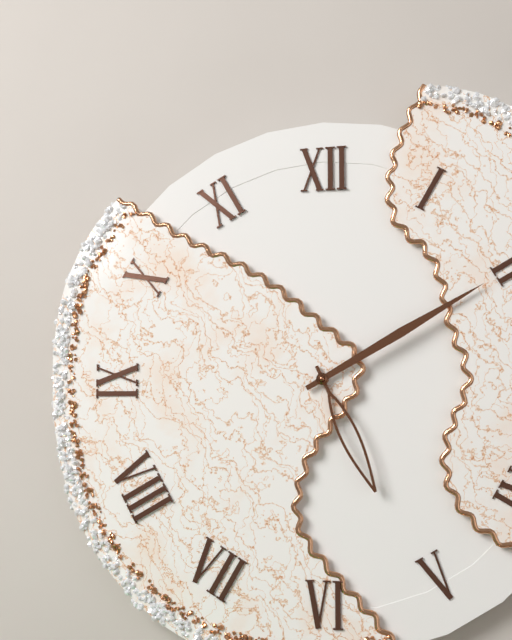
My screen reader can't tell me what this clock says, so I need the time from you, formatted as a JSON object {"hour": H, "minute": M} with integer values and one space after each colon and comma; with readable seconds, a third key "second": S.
{"hour": 5, "minute": 10}
